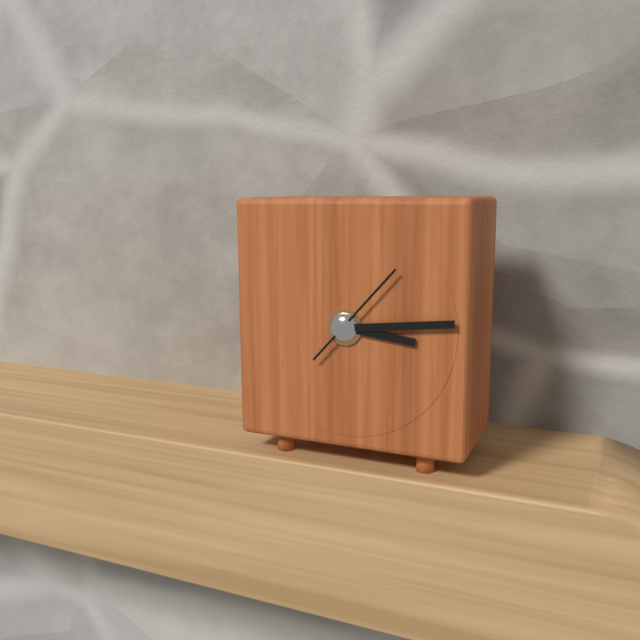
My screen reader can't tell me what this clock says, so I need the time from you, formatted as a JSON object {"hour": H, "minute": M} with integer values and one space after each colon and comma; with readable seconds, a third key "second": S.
{"hour": 3, "minute": 14, "second": 7}
